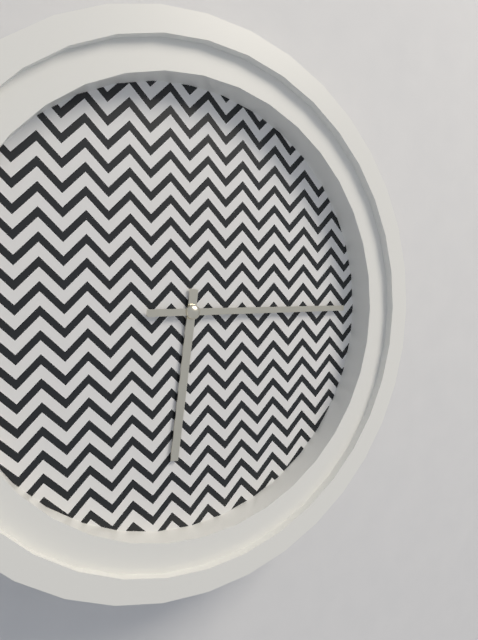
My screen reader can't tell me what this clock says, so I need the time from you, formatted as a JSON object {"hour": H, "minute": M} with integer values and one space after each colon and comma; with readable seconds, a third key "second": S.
{"hour": 6, "minute": 15}
